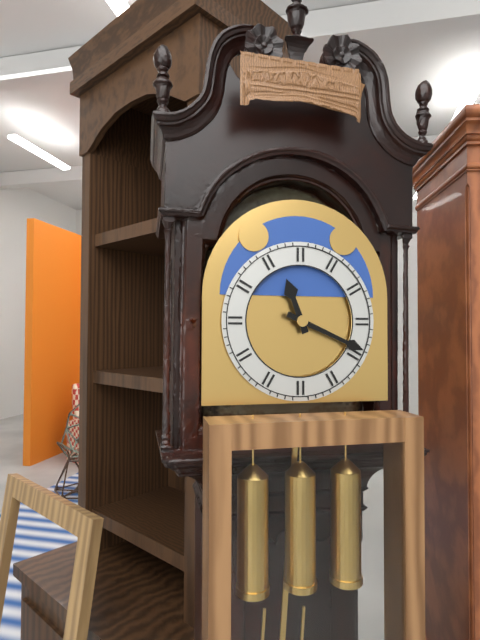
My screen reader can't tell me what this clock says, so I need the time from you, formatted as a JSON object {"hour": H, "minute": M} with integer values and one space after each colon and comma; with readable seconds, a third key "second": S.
{"hour": 11, "minute": 19}
